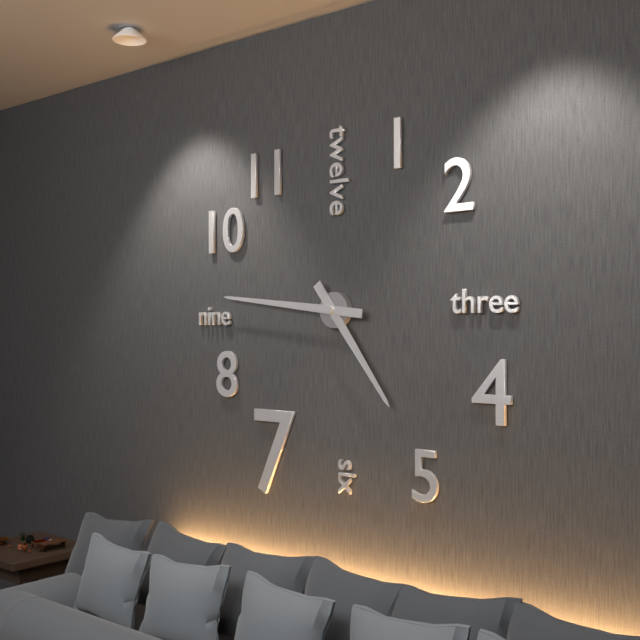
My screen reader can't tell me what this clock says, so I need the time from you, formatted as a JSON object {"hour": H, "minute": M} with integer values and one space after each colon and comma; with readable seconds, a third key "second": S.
{"hour": 4, "minute": 46}
